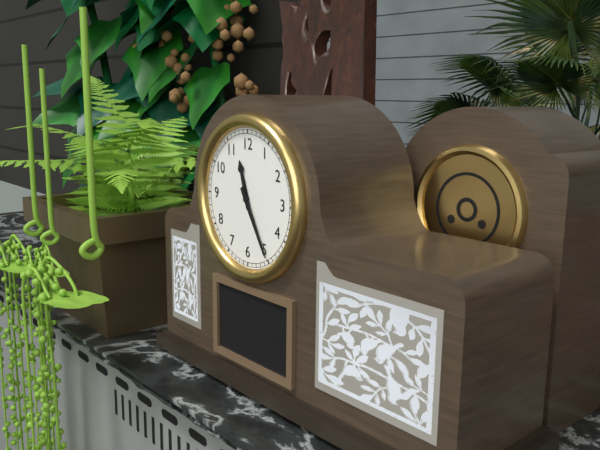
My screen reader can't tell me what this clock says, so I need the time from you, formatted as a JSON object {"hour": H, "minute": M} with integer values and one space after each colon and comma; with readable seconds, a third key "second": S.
{"hour": 11, "minute": 25}
